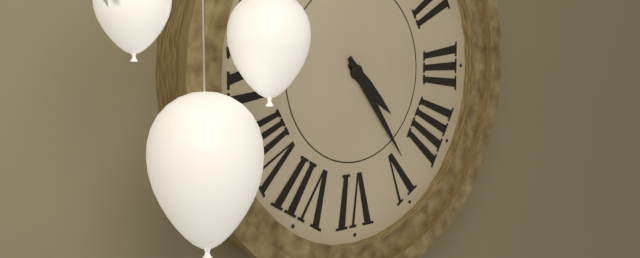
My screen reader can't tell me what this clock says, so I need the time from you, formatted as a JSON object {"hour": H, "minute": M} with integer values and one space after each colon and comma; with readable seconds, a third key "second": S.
{"hour": 4, "minute": 24}
